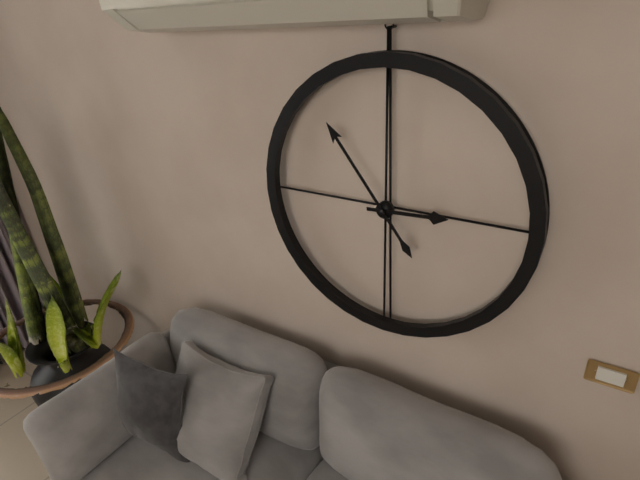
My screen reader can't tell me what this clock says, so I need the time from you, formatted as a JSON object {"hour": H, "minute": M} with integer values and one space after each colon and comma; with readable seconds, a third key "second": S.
{"hour": 2, "minute": 54}
